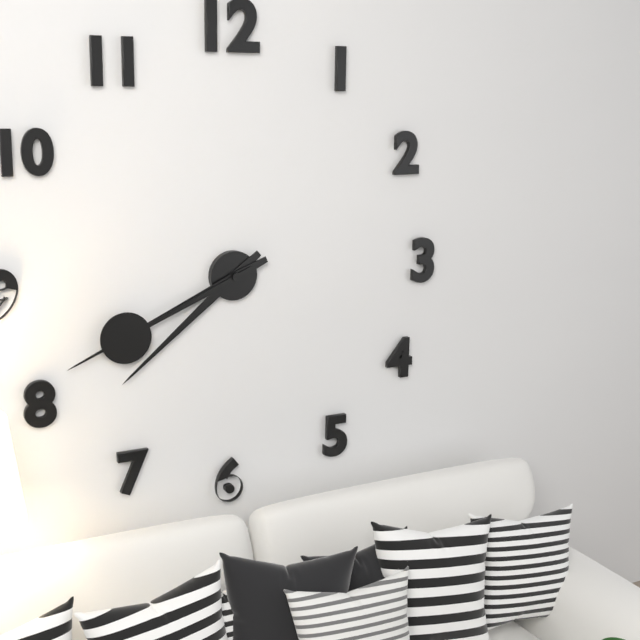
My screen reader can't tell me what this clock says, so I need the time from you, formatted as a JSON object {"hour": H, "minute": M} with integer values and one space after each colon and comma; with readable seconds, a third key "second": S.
{"hour": 7, "minute": 41, "second": 41}
